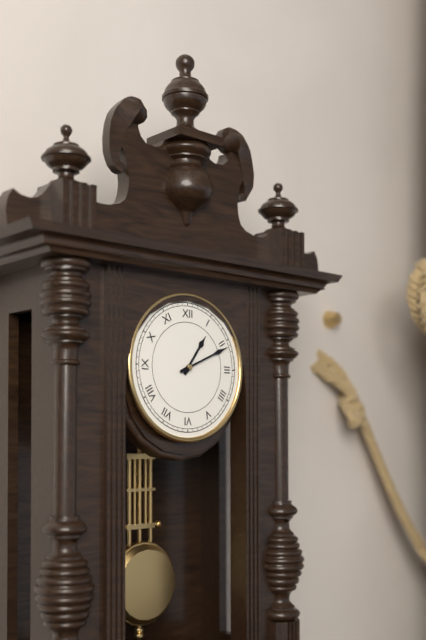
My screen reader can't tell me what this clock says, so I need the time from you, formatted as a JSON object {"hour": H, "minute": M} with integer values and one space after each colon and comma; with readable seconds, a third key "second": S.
{"hour": 1, "minute": 11}
